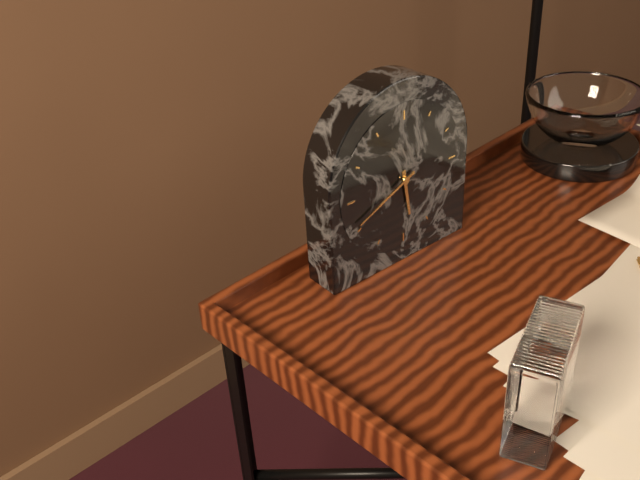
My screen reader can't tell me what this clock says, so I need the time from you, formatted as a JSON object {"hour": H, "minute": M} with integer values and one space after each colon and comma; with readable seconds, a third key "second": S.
{"hour": 5, "minute": 41}
